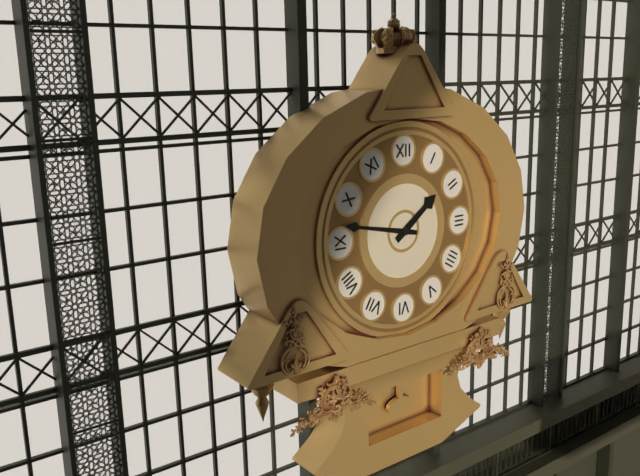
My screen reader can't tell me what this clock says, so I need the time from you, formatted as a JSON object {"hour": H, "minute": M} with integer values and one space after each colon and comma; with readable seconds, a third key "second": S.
{"hour": 1, "minute": 47}
